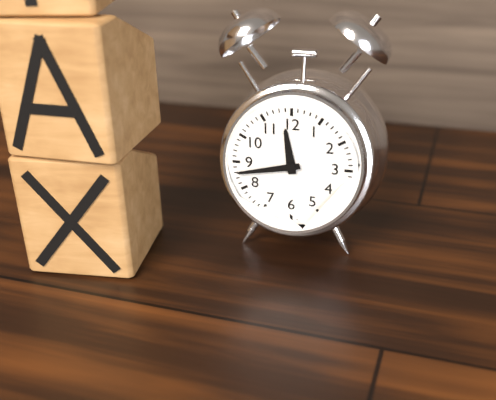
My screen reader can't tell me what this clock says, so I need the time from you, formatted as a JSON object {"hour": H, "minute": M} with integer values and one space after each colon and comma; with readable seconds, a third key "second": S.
{"hour": 11, "minute": 43}
